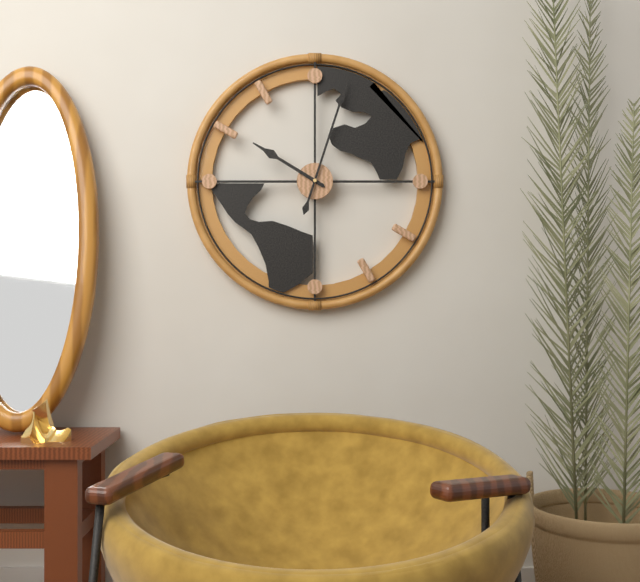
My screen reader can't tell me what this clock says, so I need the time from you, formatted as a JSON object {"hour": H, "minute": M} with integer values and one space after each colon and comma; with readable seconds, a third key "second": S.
{"hour": 10, "minute": 3}
